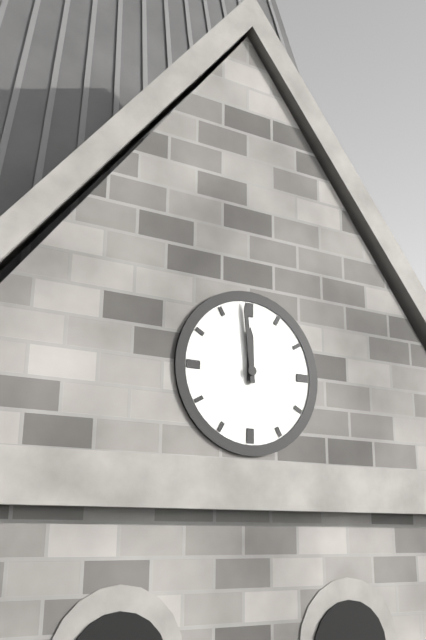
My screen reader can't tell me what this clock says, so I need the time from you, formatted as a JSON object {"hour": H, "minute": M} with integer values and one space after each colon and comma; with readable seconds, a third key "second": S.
{"hour": 11, "minute": 59}
